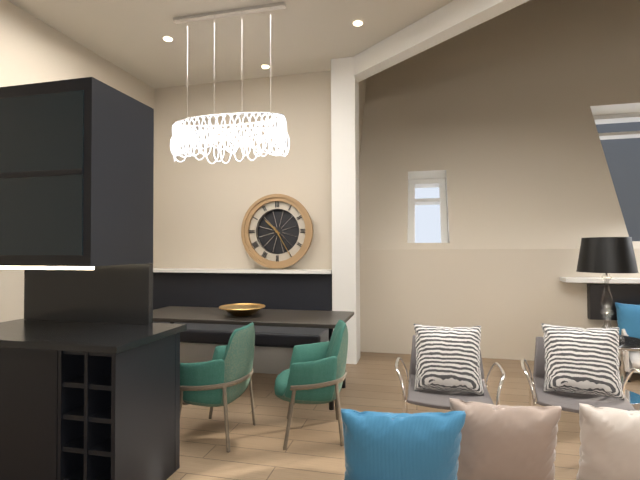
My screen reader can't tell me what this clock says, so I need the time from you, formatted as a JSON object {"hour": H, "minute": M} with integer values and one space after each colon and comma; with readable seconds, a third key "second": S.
{"hour": 10, "minute": 25}
